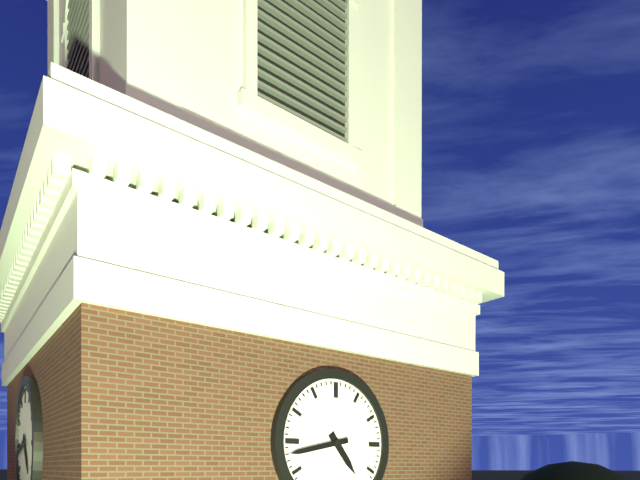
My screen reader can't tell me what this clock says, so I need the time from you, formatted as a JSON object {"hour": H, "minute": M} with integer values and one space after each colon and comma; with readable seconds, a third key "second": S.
{"hour": 4, "minute": 43}
